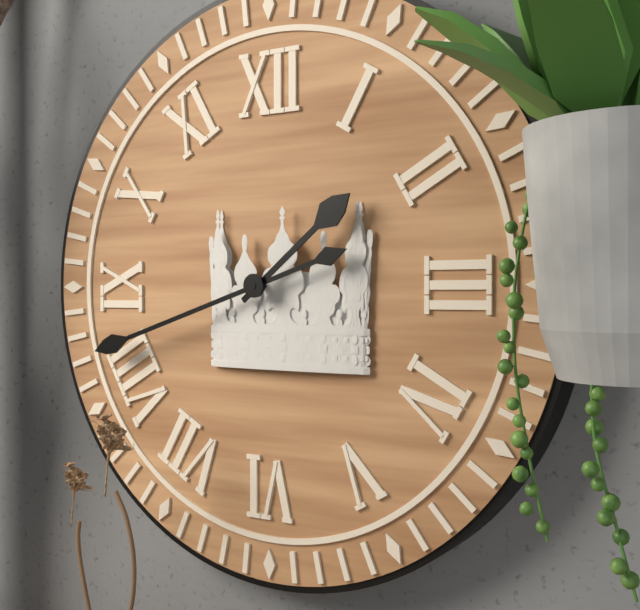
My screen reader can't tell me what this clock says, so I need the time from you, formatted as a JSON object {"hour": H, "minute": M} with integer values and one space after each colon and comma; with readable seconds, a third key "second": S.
{"hour": 1, "minute": 42}
